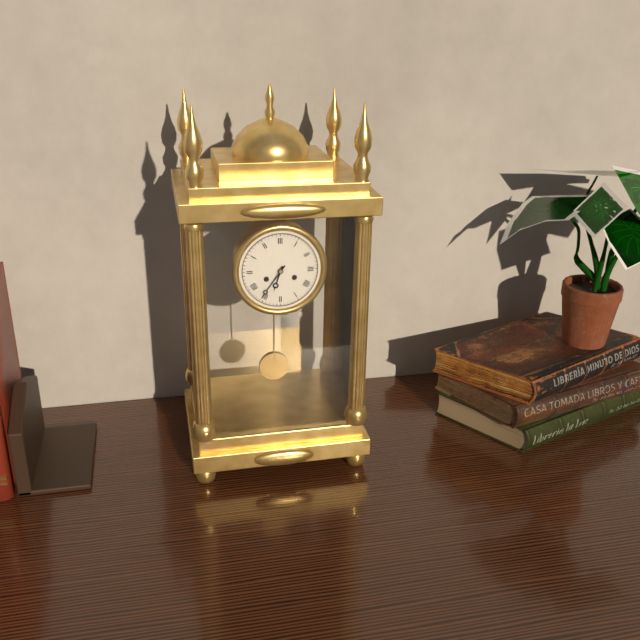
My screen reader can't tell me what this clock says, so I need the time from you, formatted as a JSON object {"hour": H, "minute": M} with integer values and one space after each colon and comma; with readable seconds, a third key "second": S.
{"hour": 6, "minute": 36}
